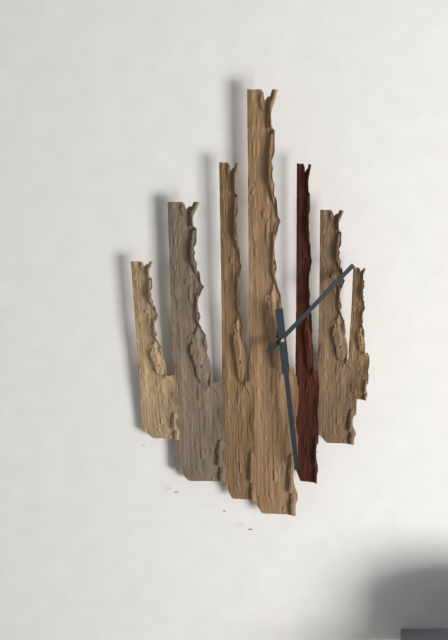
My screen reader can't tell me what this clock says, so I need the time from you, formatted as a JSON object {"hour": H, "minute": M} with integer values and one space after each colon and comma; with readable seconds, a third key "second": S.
{"hour": 1, "minute": 29}
